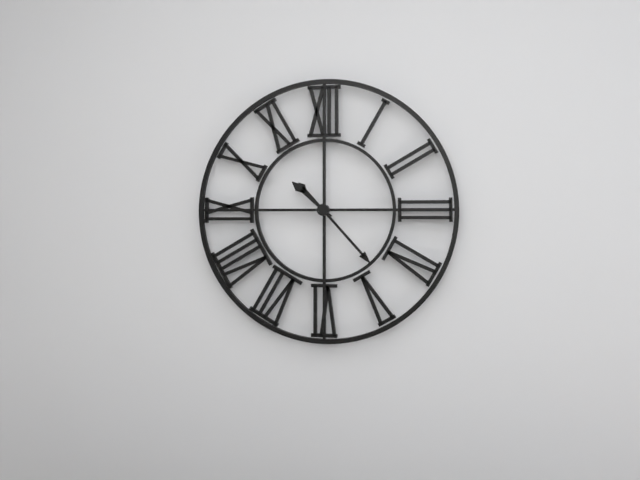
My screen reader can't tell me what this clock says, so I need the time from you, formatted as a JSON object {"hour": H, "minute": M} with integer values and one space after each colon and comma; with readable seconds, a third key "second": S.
{"hour": 10, "minute": 23}
